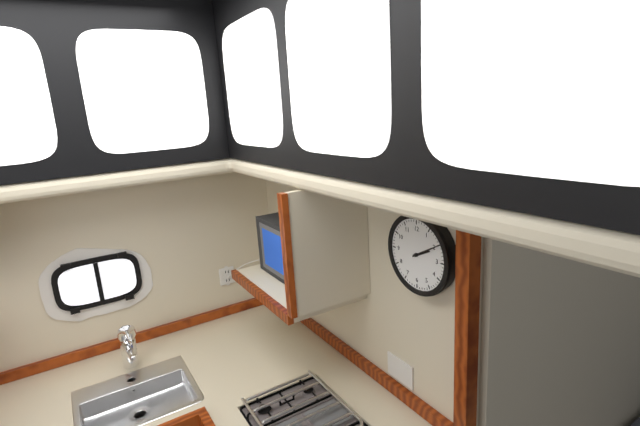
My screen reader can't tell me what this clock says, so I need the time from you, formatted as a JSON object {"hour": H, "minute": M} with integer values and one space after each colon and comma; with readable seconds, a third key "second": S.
{"hour": 2, "minute": 10}
